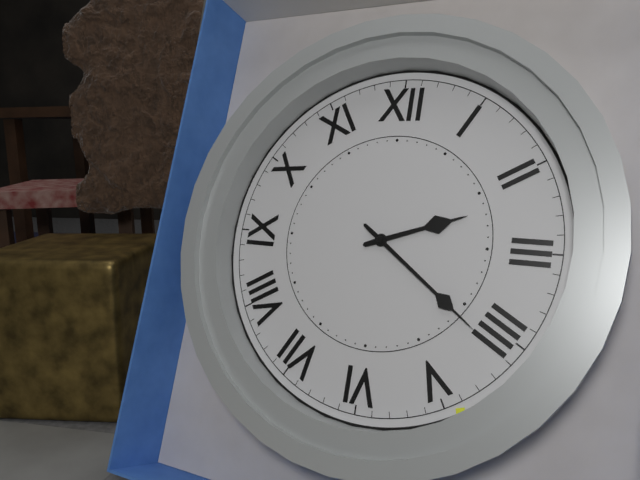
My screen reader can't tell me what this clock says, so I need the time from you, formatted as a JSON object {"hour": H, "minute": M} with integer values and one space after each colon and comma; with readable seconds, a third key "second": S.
{"hour": 2, "minute": 21}
